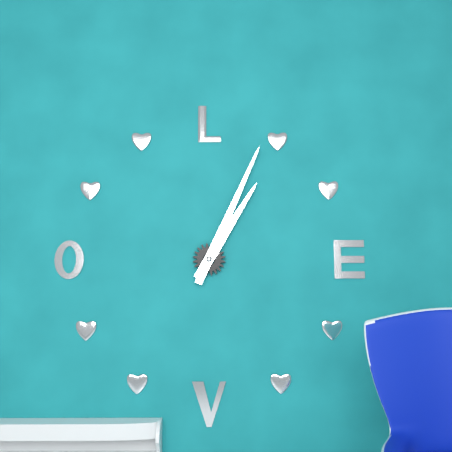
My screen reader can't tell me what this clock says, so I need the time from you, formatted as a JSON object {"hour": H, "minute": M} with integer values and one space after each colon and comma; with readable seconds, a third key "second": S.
{"hour": 1, "minute": 4}
